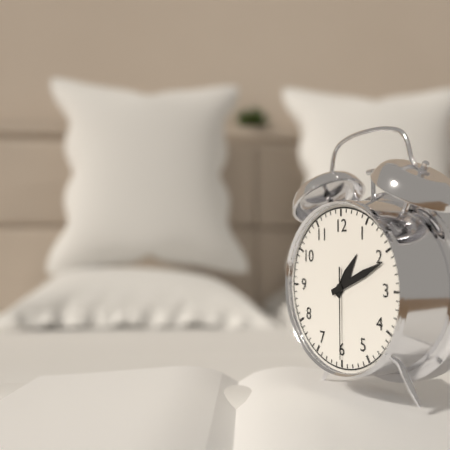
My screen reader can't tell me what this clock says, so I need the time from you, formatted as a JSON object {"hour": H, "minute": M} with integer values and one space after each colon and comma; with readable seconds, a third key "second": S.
{"hour": 1, "minute": 11, "second": 30}
